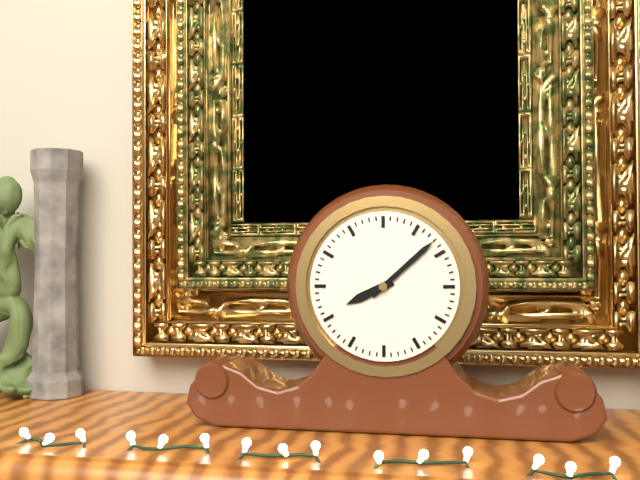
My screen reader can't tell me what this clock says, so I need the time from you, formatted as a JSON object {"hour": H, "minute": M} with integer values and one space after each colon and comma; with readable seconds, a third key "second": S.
{"hour": 8, "minute": 8}
